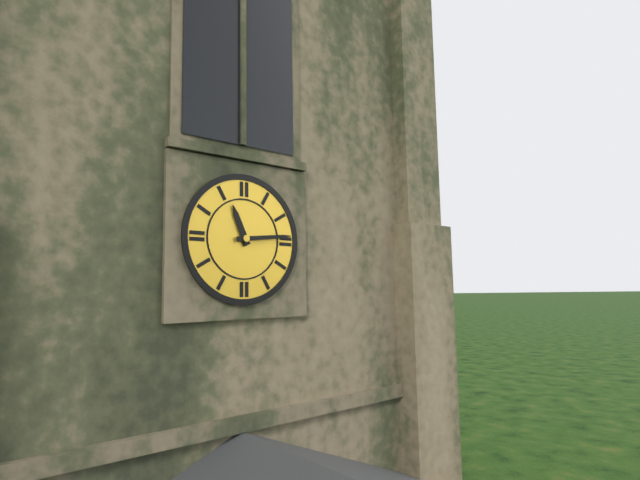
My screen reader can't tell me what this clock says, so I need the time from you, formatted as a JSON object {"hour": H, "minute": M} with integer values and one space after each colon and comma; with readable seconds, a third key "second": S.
{"hour": 11, "minute": 14}
